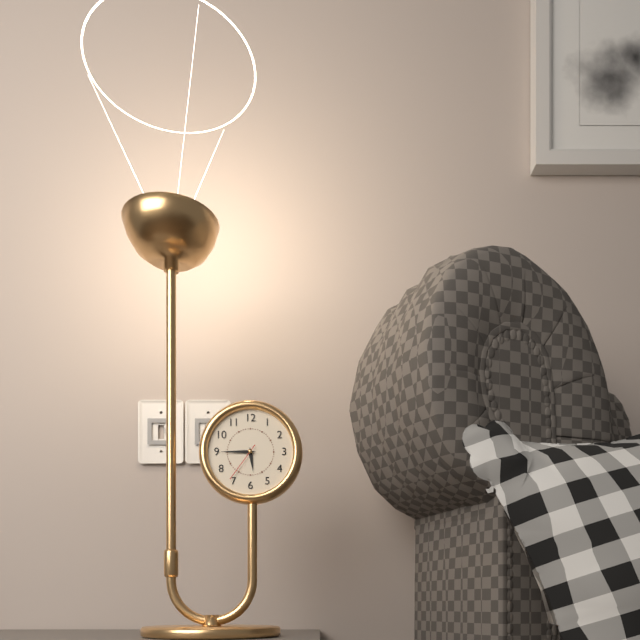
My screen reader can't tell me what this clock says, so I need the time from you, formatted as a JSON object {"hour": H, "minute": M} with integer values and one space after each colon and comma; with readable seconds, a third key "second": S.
{"hour": 5, "minute": 45}
